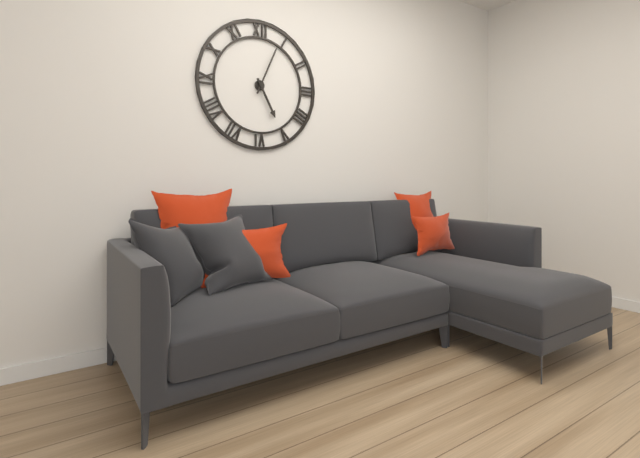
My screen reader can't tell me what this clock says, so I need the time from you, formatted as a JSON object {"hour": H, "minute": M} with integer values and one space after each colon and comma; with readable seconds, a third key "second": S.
{"hour": 5, "minute": 4}
